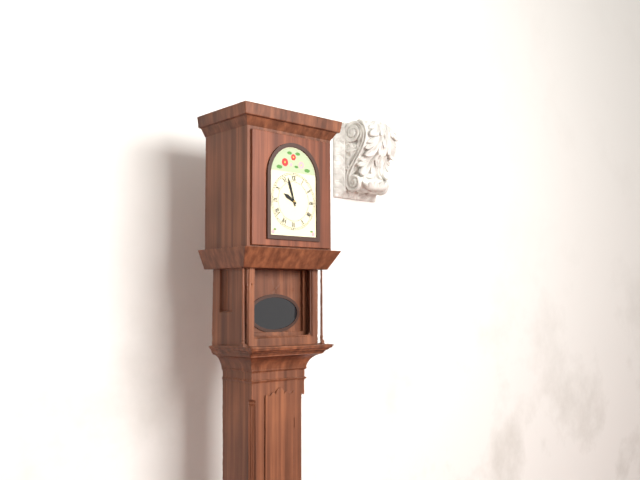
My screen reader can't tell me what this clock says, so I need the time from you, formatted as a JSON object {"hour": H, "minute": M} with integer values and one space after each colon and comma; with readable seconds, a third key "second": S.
{"hour": 9, "minute": 57}
